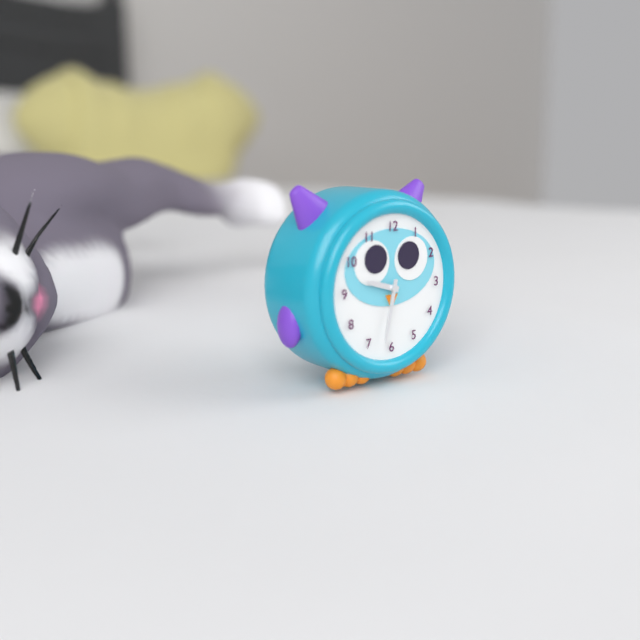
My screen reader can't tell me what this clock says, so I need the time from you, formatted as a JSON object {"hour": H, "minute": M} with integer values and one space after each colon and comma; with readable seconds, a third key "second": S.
{"hour": 9, "minute": 32}
